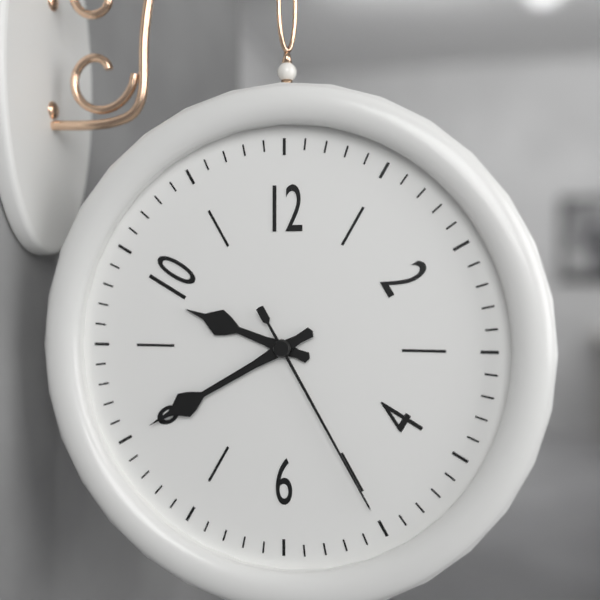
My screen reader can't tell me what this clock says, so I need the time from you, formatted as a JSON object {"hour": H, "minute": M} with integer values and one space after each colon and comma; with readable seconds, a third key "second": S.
{"hour": 9, "minute": 40, "second": 25}
